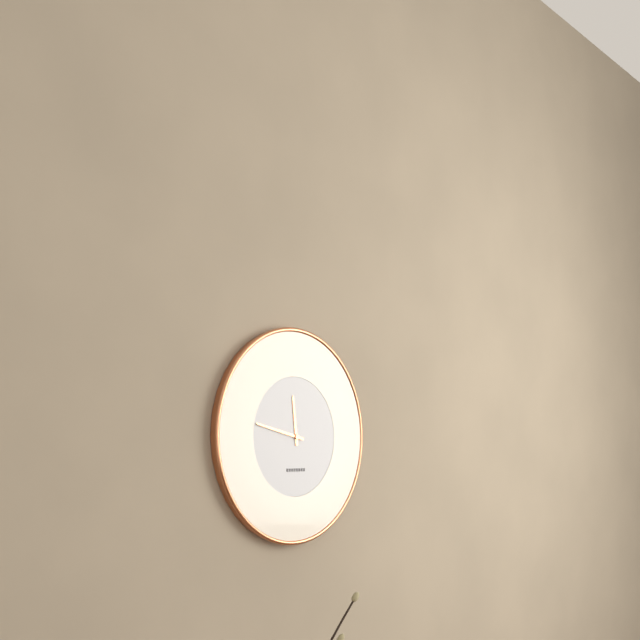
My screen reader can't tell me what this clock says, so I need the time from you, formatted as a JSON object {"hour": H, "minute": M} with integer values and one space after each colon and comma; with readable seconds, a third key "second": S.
{"hour": 11, "minute": 47}
